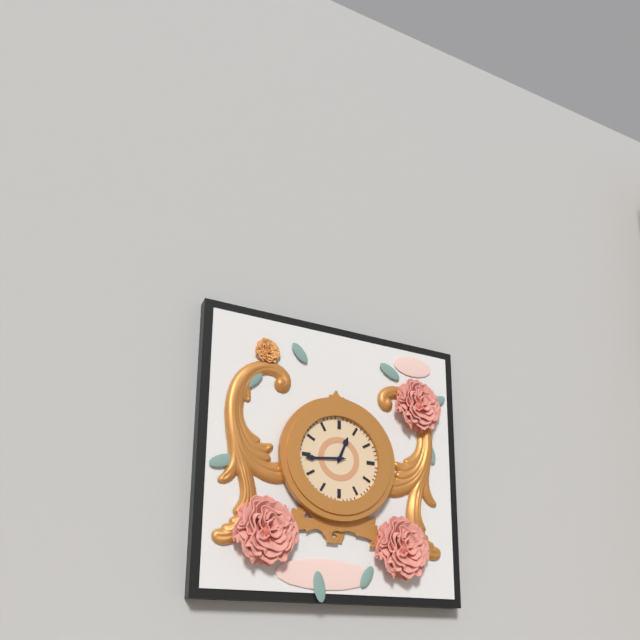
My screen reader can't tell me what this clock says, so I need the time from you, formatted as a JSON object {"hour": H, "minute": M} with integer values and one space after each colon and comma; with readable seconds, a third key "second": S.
{"hour": 12, "minute": 44}
